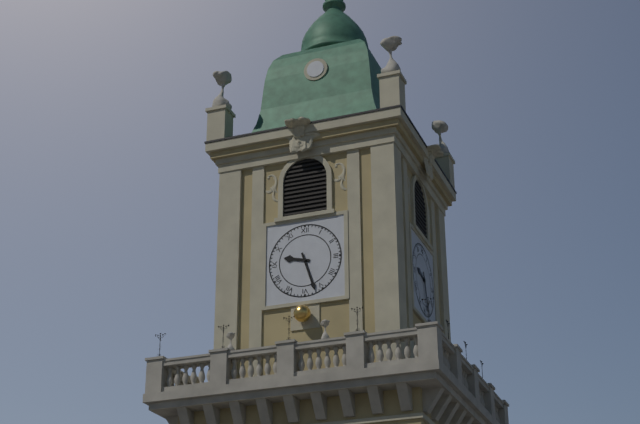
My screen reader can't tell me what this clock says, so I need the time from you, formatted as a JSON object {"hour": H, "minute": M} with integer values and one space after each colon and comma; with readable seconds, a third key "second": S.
{"hour": 9, "minute": 27}
